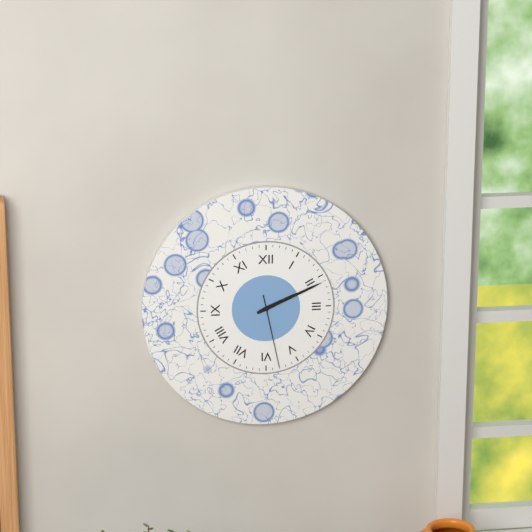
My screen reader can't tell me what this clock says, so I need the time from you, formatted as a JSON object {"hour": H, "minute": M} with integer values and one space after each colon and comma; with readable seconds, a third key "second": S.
{"hour": 2, "minute": 11, "second": 28}
